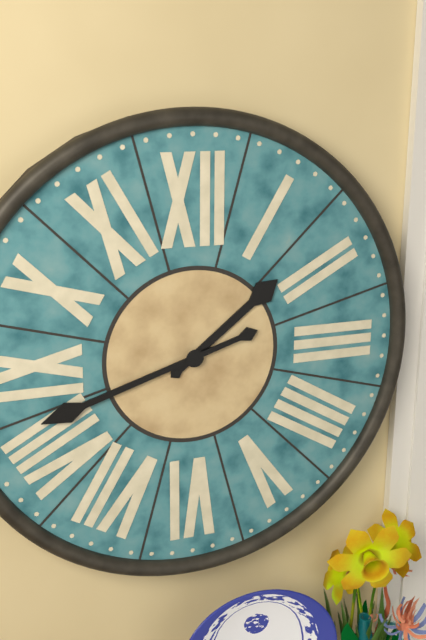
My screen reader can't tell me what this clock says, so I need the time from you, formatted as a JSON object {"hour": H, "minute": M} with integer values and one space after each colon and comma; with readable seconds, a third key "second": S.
{"hour": 1, "minute": 42}
